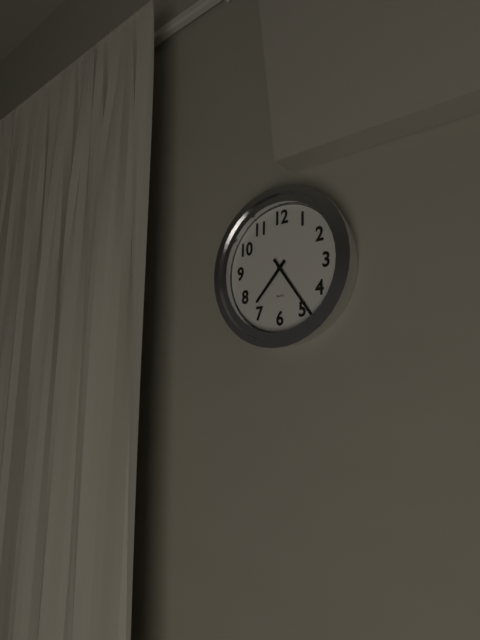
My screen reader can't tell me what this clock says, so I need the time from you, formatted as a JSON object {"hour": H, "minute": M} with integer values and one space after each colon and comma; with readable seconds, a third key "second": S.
{"hour": 7, "minute": 24}
